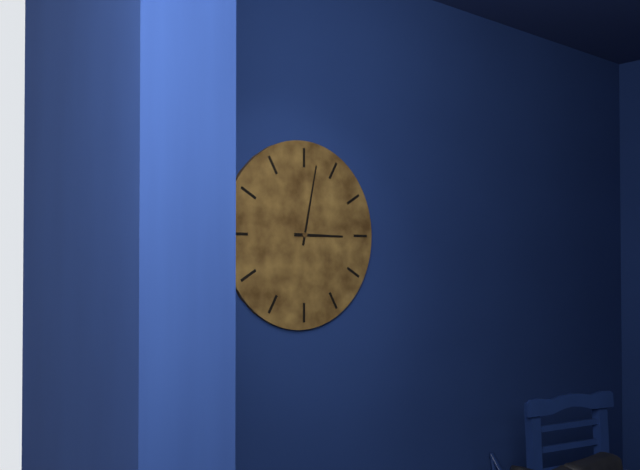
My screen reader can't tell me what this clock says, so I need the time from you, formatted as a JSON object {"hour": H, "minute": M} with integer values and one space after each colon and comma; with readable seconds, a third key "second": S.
{"hour": 3, "minute": 2}
